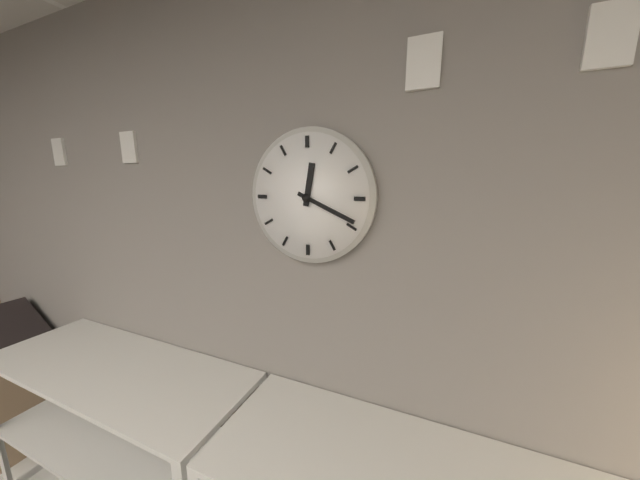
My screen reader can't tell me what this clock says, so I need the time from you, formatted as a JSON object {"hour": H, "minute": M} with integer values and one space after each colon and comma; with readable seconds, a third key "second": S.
{"hour": 12, "minute": 19}
